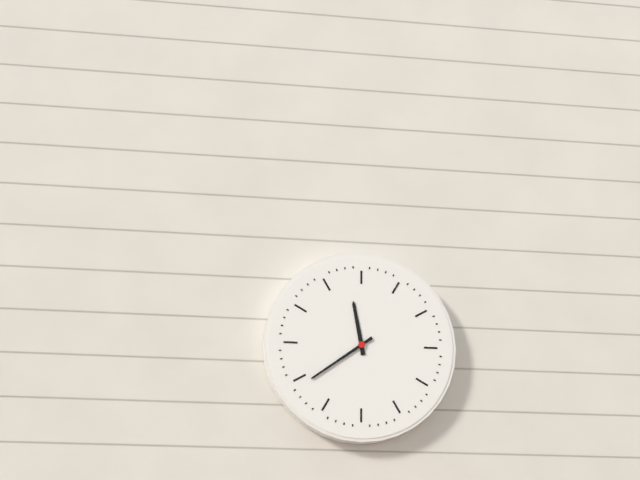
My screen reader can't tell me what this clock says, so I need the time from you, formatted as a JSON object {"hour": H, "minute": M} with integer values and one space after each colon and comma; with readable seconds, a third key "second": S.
{"hour": 11, "minute": 39}
